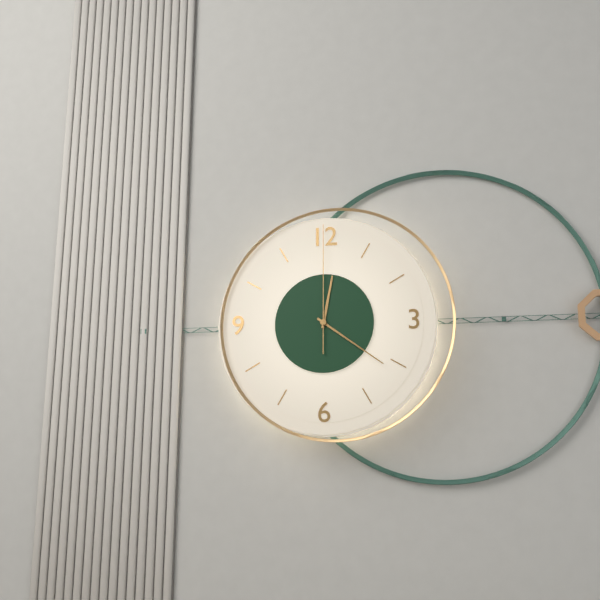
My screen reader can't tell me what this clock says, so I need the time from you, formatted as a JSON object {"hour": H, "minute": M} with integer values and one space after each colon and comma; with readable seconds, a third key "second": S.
{"hour": 12, "minute": 21, "second": 0}
